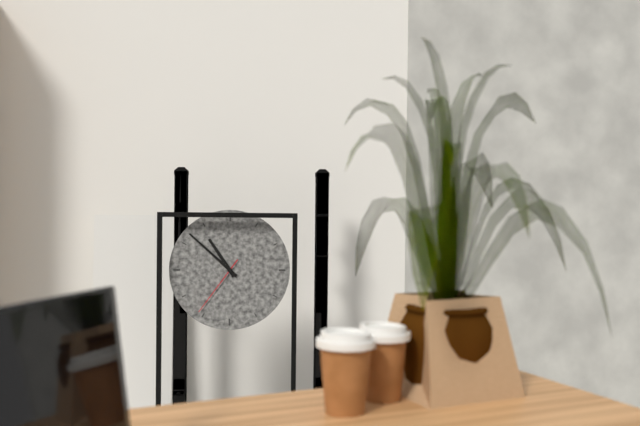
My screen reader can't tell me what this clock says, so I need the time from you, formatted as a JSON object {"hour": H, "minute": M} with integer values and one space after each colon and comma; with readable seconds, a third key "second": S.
{"hour": 10, "minute": 52, "second": 36}
